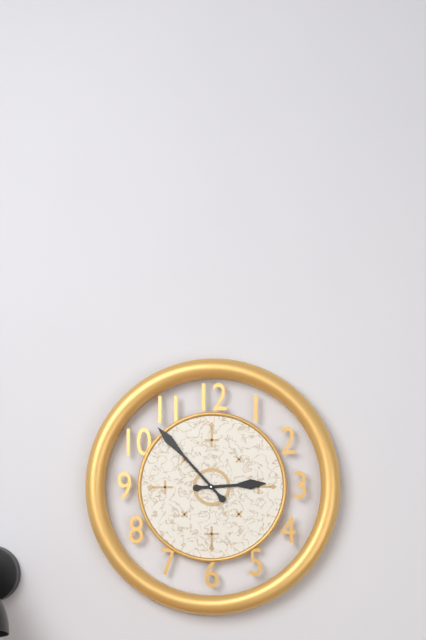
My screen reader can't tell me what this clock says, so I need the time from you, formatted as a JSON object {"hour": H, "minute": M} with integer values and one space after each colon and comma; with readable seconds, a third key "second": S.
{"hour": 2, "minute": 53}
